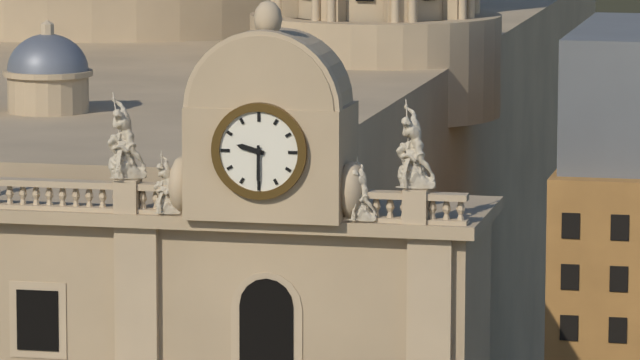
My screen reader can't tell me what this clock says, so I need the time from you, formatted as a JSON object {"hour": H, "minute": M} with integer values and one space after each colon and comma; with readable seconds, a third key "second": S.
{"hour": 9, "minute": 30}
